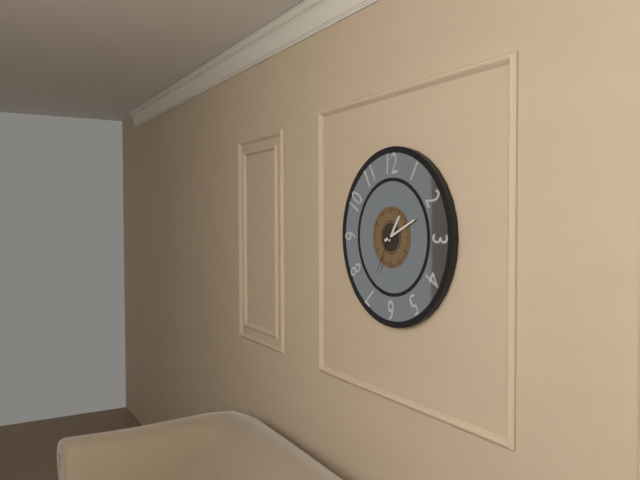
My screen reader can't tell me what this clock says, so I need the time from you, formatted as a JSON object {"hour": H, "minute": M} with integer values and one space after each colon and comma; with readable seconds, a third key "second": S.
{"hour": 1, "minute": 11}
